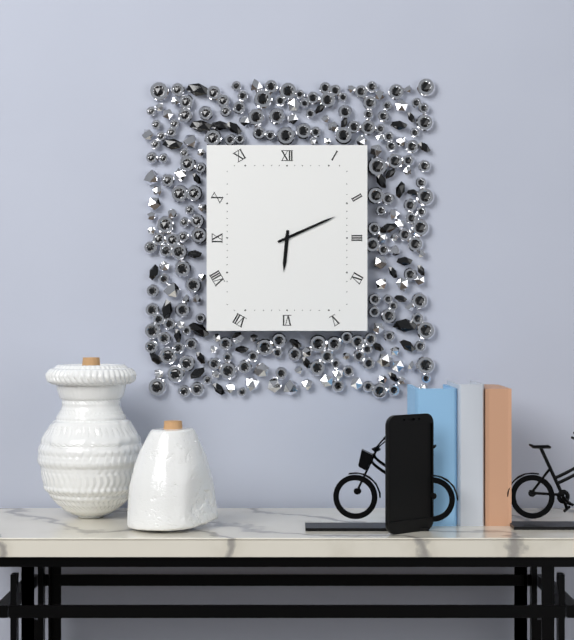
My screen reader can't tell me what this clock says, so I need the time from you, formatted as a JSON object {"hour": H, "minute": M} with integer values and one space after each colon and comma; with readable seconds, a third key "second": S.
{"hour": 6, "minute": 11}
